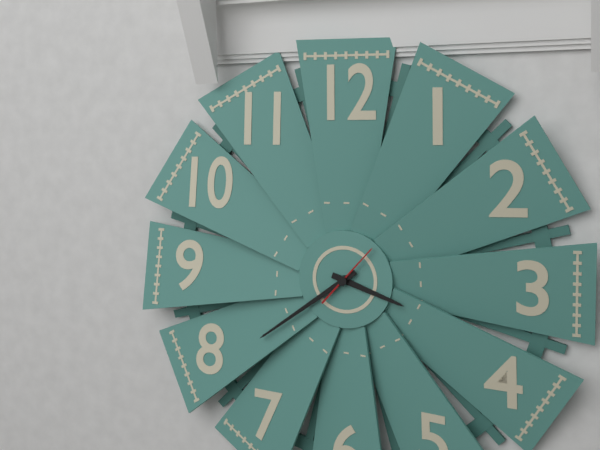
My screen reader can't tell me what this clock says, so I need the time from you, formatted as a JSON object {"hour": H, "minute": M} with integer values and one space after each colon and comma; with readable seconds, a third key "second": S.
{"hour": 3, "minute": 39, "second": 7}
